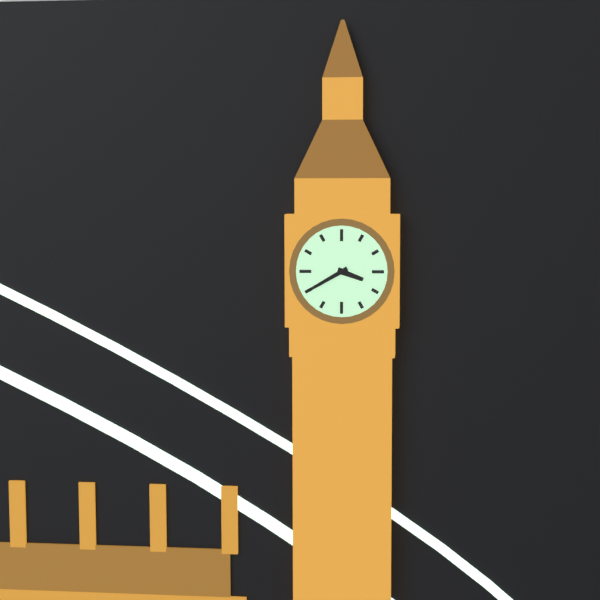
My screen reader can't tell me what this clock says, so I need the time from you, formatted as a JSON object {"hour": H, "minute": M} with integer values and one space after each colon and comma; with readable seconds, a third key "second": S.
{"hour": 3, "minute": 40}
